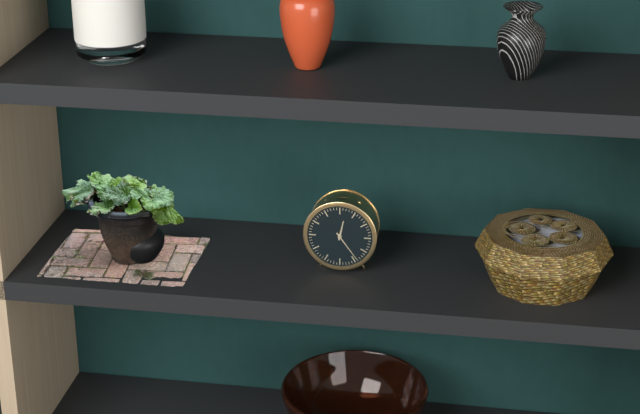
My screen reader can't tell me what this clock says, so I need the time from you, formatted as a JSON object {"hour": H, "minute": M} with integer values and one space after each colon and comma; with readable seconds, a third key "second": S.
{"hour": 12, "minute": 24}
